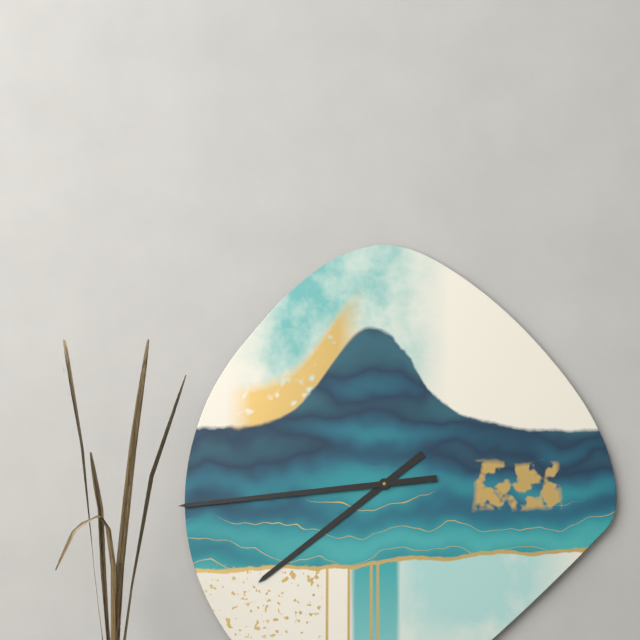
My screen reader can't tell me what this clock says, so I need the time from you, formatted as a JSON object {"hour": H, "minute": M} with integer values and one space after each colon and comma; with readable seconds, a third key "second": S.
{"hour": 7, "minute": 44}
